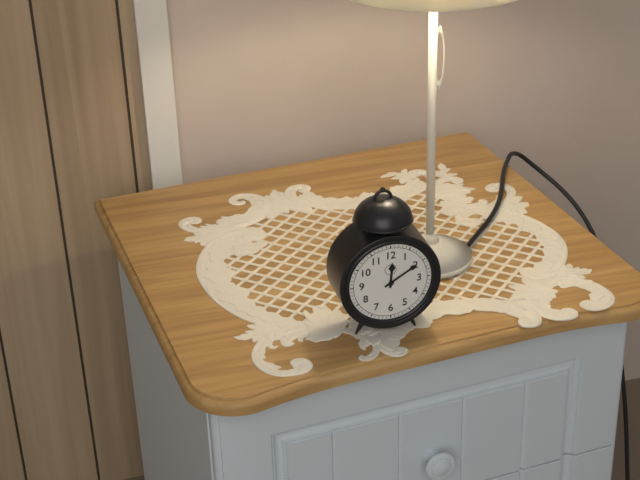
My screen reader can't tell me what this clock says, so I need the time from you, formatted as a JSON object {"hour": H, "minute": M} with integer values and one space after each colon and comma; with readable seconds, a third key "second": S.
{"hour": 12, "minute": 10}
